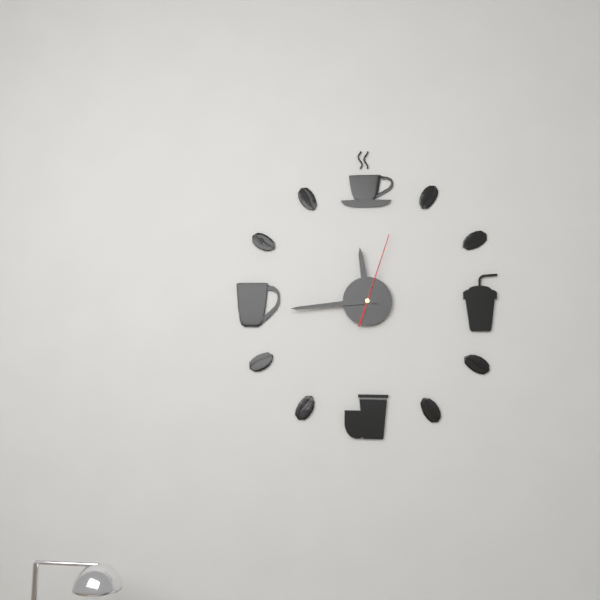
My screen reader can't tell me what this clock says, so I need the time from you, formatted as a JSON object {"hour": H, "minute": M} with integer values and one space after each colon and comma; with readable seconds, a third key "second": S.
{"hour": 11, "minute": 44, "second": 3}
